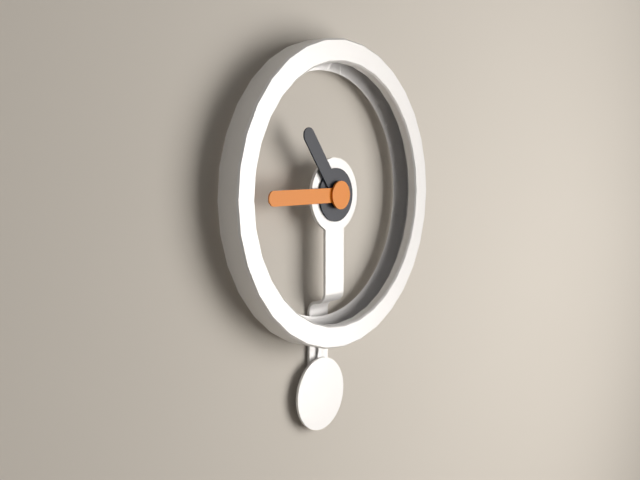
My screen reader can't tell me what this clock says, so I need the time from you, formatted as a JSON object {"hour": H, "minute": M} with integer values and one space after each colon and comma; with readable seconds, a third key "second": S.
{"hour": 10, "minute": 45}
